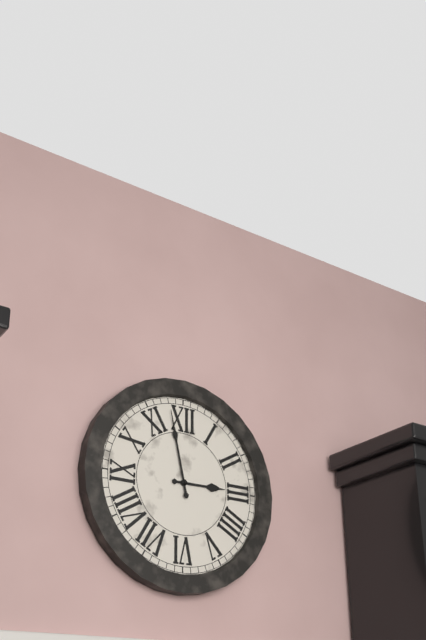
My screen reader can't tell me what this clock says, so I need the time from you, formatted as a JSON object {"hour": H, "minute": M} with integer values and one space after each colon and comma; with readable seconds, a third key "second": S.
{"hour": 2, "minute": 58}
